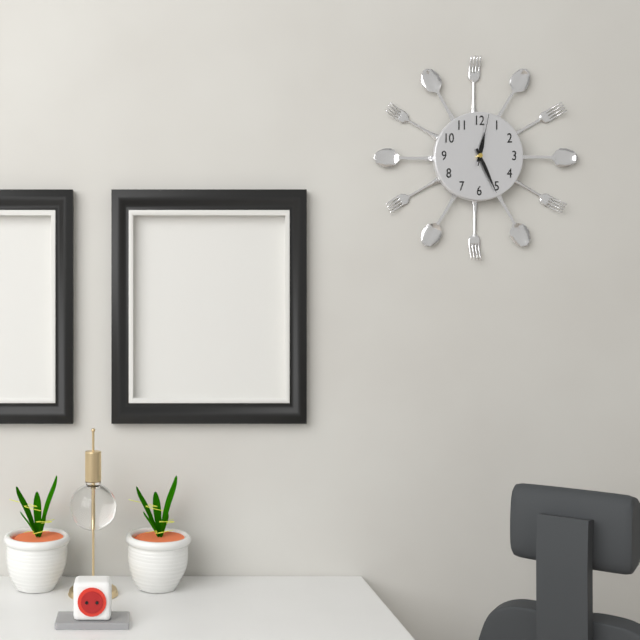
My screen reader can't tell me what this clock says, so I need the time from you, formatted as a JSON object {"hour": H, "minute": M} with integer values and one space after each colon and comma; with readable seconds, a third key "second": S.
{"hour": 12, "minute": 26, "second": 2}
